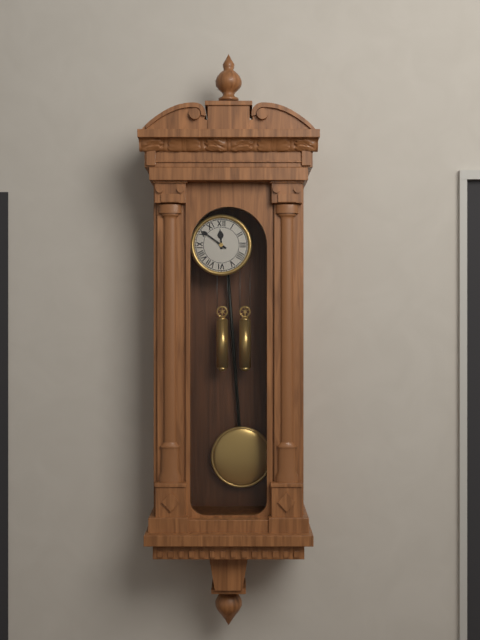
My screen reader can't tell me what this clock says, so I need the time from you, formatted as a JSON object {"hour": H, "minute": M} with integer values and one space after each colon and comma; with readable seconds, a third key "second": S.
{"hour": 11, "minute": 51}
